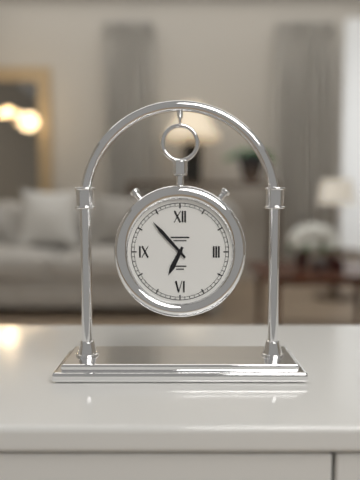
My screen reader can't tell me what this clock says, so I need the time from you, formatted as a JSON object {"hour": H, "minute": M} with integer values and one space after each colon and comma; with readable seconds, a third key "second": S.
{"hour": 6, "minute": 53}
